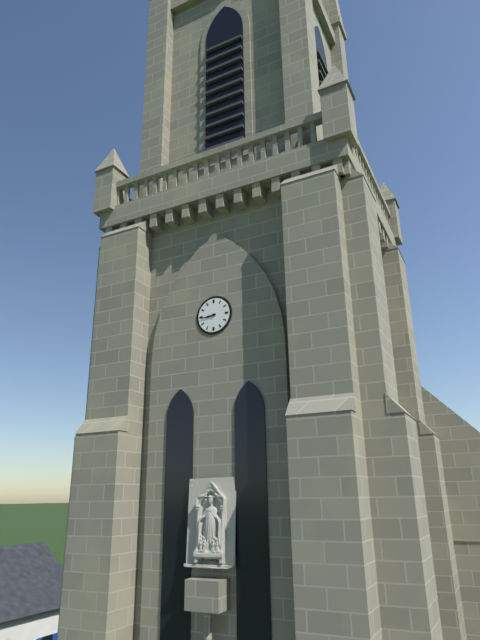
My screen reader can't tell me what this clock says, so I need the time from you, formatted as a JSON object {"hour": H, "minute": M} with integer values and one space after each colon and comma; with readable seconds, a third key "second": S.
{"hour": 8, "minute": 44}
